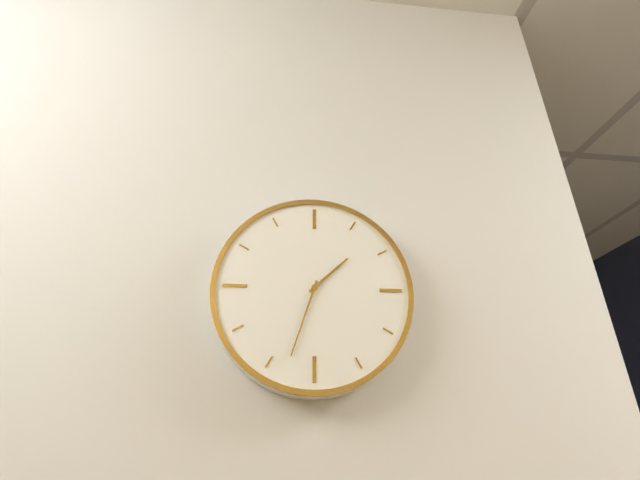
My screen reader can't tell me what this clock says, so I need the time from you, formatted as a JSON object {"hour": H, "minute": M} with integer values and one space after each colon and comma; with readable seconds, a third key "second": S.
{"hour": 1, "minute": 33}
